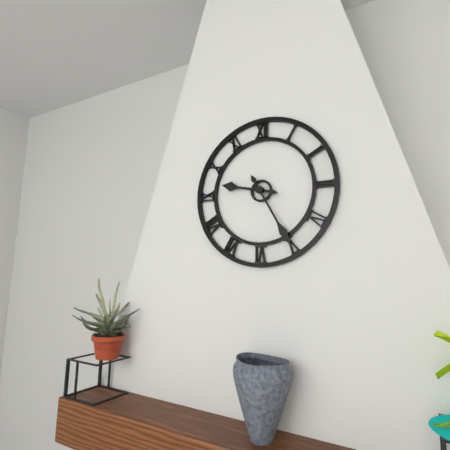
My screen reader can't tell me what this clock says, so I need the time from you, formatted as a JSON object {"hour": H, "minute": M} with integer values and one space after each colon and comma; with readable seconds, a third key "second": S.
{"hour": 9, "minute": 25}
